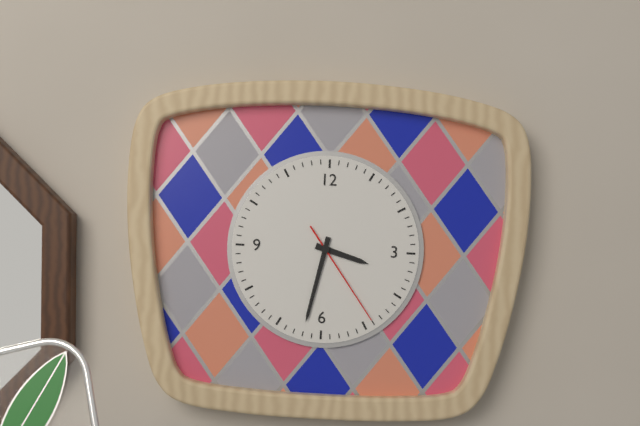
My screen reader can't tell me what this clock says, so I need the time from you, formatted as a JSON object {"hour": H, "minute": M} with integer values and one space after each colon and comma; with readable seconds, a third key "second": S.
{"hour": 3, "minute": 32, "second": 24}
